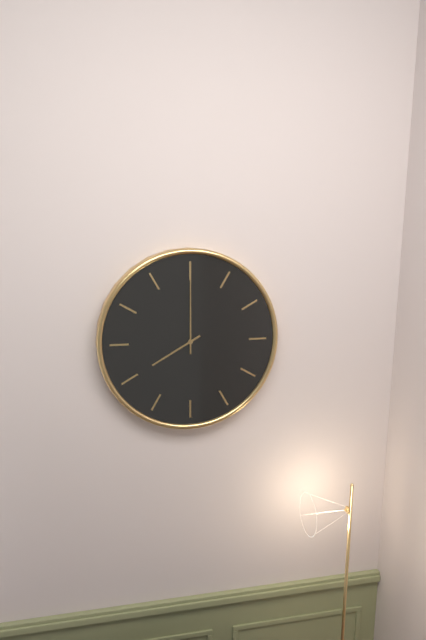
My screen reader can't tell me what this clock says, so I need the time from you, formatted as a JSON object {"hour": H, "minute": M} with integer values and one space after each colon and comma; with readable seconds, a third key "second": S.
{"hour": 8, "minute": 0}
